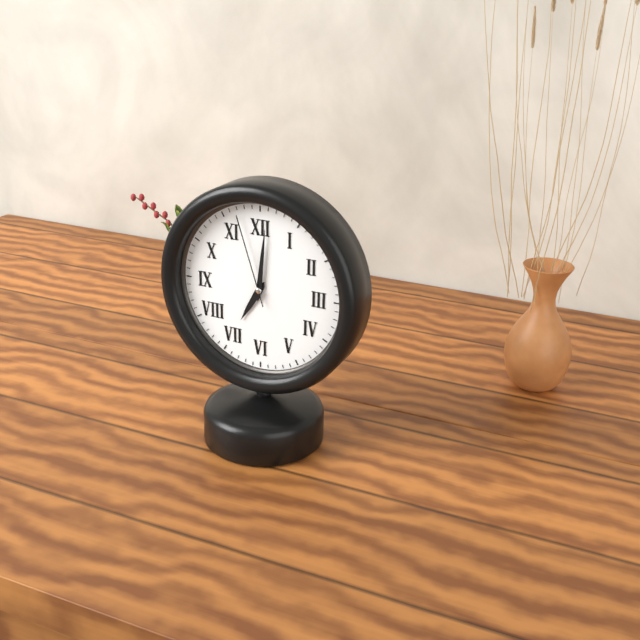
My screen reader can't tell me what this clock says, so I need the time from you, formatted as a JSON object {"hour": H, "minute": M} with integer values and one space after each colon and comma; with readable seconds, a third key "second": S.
{"hour": 7, "minute": 1, "second": 57}
